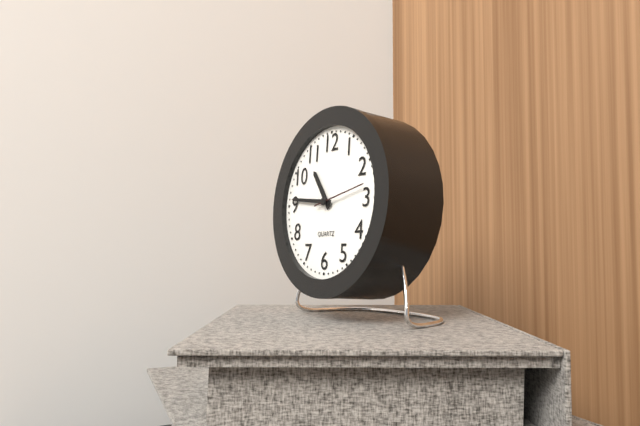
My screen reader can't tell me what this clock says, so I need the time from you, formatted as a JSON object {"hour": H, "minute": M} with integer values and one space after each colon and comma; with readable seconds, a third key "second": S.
{"hour": 10, "minute": 46}
